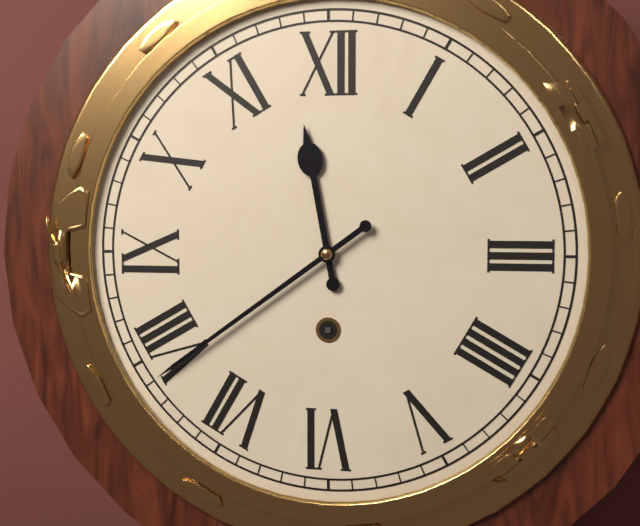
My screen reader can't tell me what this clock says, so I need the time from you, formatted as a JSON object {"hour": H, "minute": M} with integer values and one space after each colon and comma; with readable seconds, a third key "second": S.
{"hour": 11, "minute": 39}
